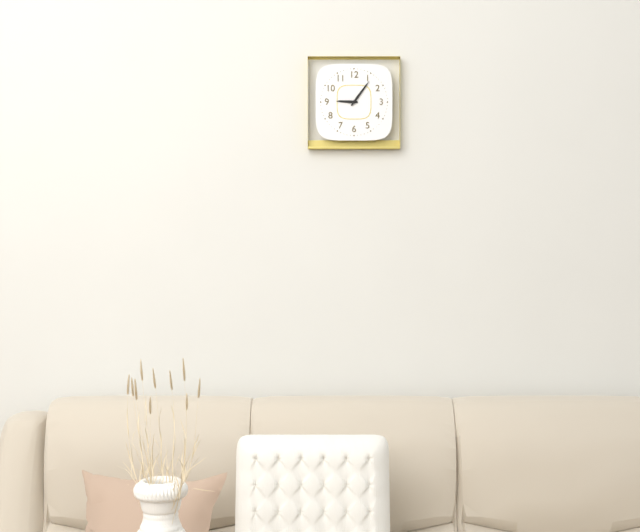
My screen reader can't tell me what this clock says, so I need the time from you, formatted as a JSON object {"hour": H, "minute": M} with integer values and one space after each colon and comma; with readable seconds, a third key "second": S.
{"hour": 9, "minute": 6}
